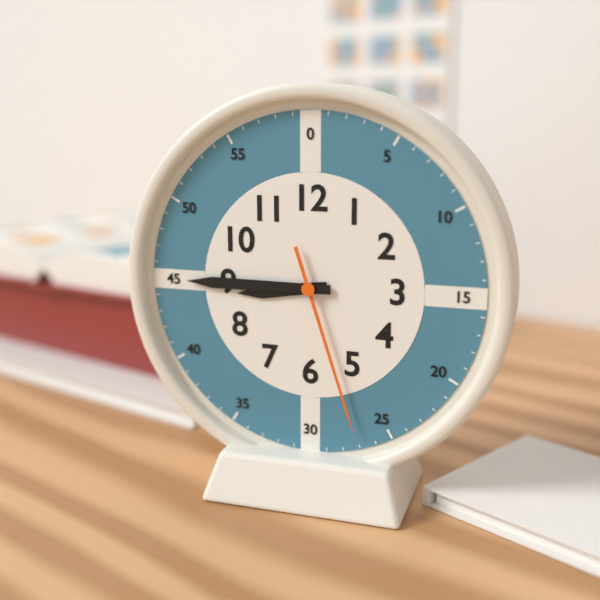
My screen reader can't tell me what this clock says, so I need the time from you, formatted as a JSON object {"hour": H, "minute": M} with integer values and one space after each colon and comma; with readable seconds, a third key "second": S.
{"hour": 8, "minute": 45, "second": 27}
